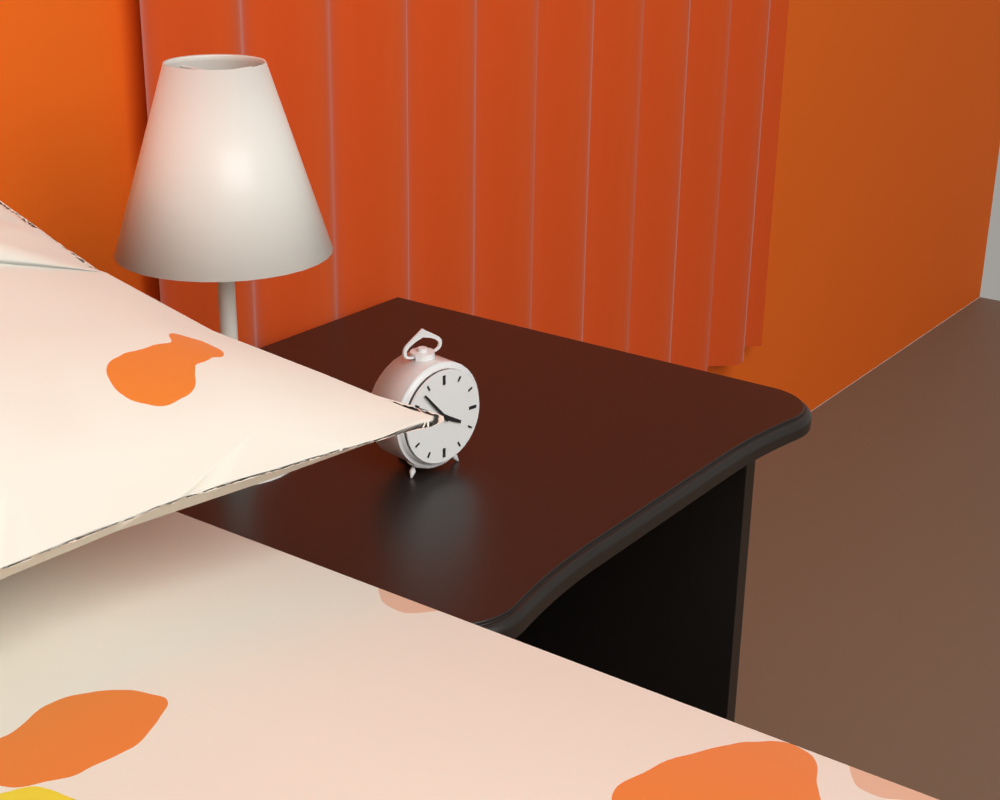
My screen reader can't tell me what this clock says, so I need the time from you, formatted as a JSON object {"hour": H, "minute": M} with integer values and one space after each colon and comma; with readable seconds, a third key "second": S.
{"hour": 3, "minute": 53}
